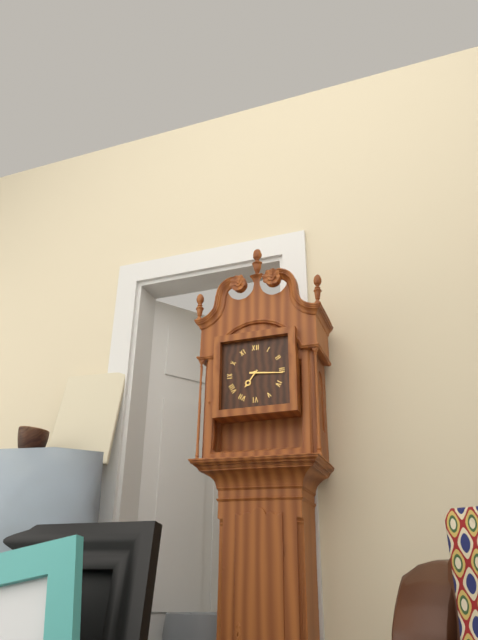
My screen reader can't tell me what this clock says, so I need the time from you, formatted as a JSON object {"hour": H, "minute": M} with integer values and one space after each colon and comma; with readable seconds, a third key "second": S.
{"hour": 7, "minute": 16}
